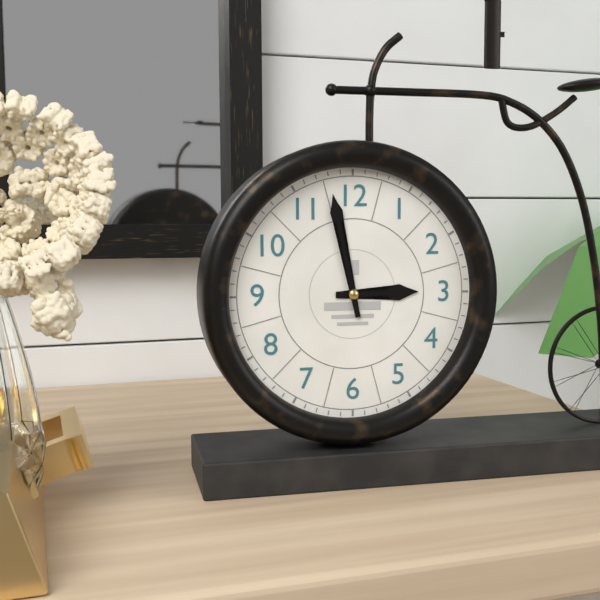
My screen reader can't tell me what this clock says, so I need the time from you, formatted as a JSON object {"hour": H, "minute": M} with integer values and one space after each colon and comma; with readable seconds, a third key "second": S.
{"hour": 2, "minute": 58}
